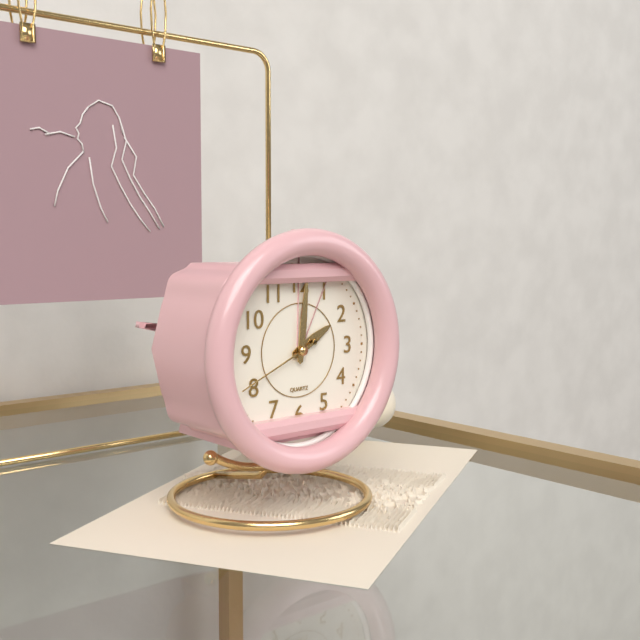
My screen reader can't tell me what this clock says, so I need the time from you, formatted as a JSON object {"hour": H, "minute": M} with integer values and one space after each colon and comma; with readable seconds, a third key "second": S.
{"hour": 2, "minute": 1, "second": 41}
